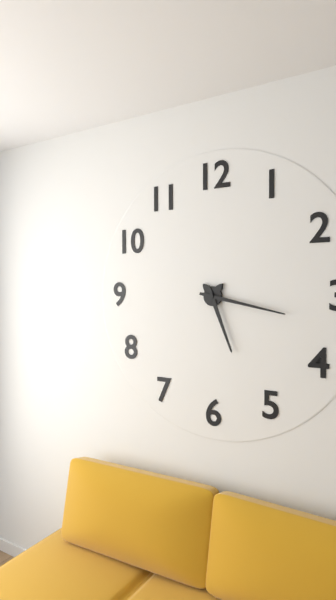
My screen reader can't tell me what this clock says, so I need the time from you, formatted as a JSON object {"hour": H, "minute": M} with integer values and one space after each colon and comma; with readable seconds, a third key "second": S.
{"hour": 5, "minute": 17}
